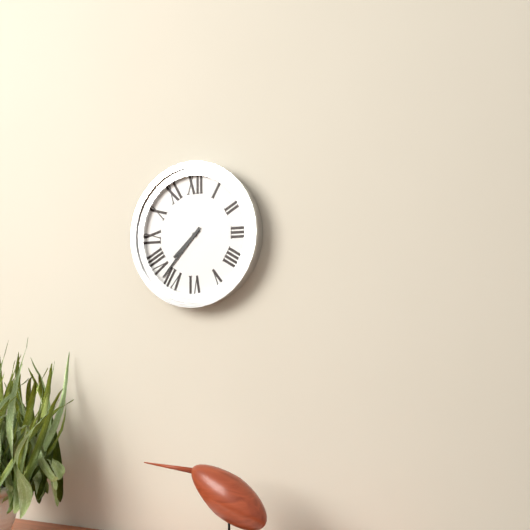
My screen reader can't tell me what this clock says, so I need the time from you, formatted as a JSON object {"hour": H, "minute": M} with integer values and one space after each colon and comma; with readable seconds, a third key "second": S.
{"hour": 7, "minute": 37}
